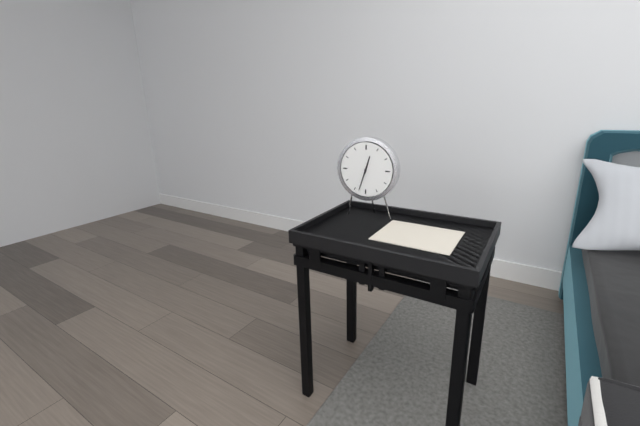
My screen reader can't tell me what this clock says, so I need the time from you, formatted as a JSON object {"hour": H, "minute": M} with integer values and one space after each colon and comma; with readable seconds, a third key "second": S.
{"hour": 12, "minute": 33}
